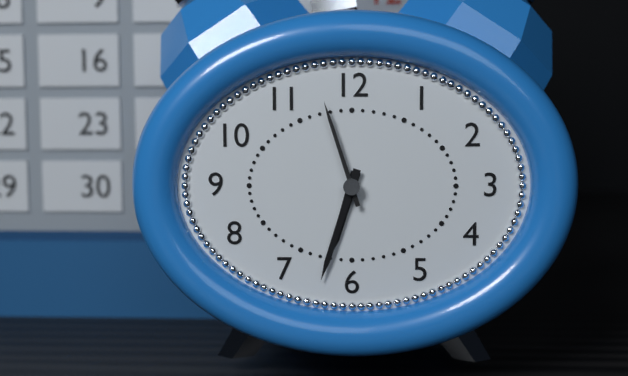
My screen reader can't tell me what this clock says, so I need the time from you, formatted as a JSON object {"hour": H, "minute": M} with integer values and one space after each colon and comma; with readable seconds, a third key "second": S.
{"hour": 6, "minute": 33, "second": 57}
